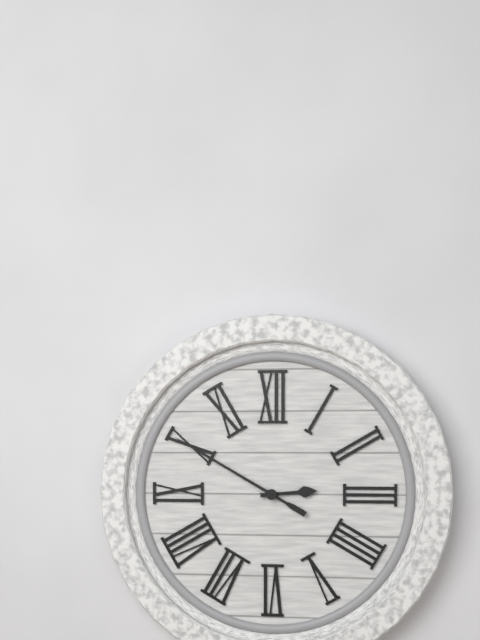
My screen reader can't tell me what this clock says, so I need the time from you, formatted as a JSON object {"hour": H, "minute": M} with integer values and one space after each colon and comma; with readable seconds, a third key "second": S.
{"hour": 2, "minute": 50}
